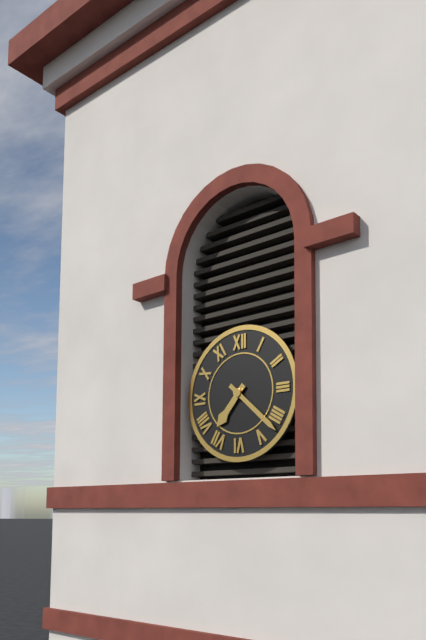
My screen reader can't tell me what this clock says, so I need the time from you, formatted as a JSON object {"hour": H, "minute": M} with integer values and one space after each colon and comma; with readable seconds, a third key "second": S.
{"hour": 7, "minute": 22}
